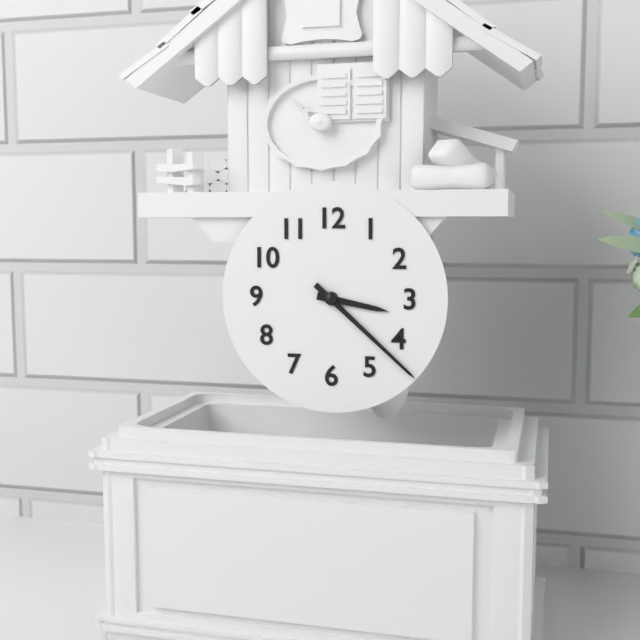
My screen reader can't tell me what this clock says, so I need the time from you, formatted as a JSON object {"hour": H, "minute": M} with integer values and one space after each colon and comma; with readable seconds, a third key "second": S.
{"hour": 3, "minute": 22}
